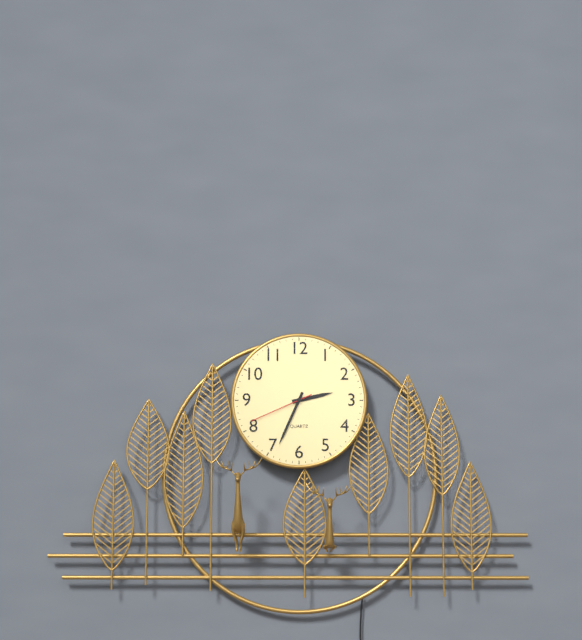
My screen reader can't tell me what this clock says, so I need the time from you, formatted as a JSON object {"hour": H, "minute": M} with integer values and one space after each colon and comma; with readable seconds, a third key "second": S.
{"hour": 2, "minute": 34, "second": 41}
